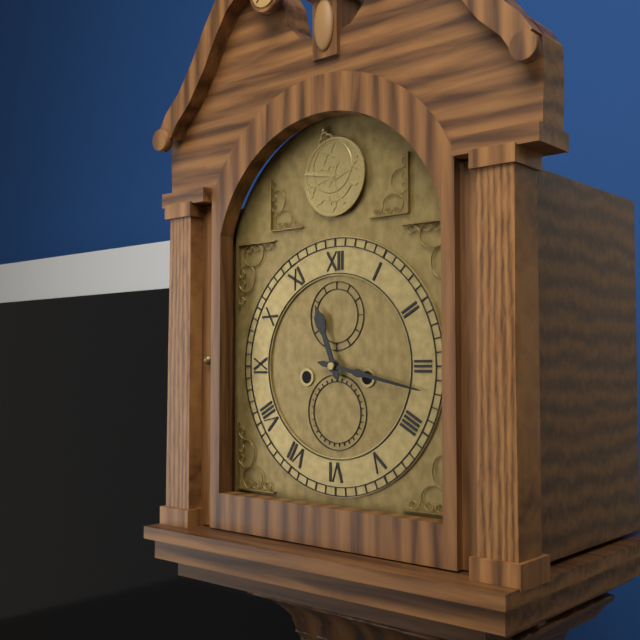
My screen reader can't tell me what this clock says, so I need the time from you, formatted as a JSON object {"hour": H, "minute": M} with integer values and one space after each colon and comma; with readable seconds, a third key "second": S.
{"hour": 11, "minute": 17}
